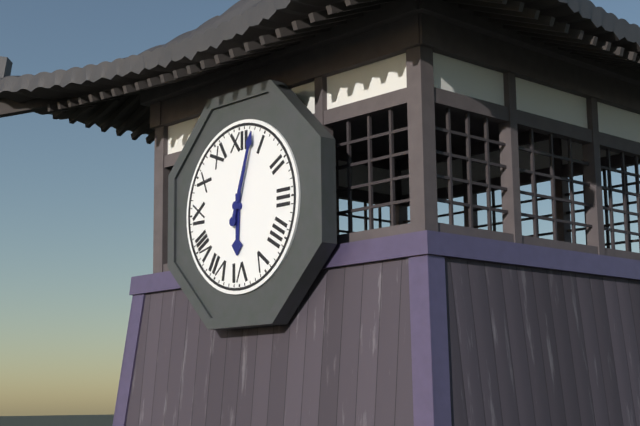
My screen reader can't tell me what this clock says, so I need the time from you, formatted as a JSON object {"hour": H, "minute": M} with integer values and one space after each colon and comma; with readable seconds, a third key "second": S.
{"hour": 6, "minute": 3}
